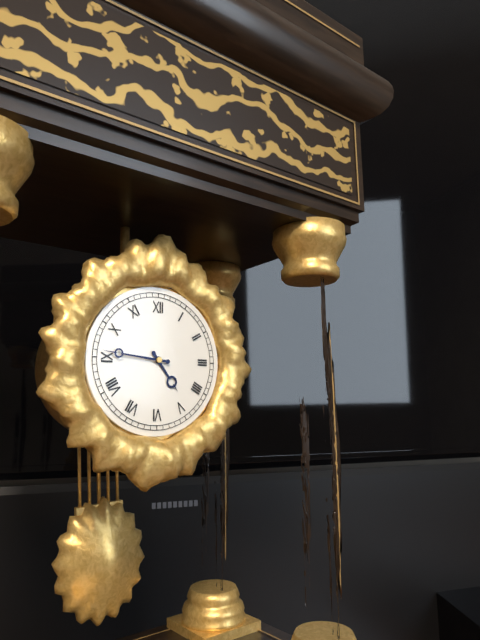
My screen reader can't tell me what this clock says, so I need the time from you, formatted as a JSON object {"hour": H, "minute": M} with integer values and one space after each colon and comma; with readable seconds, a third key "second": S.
{"hour": 4, "minute": 46}
